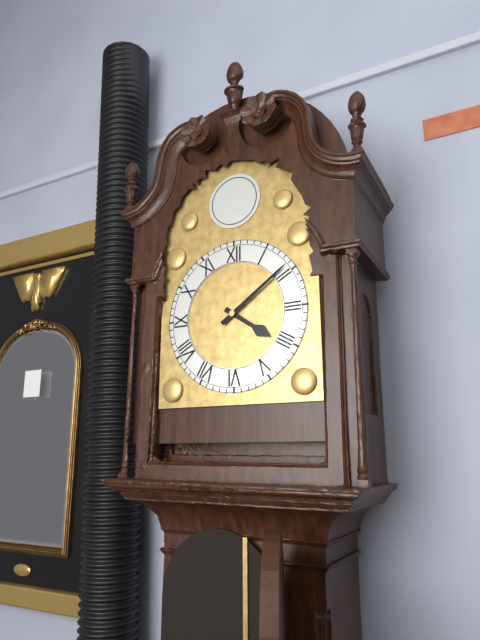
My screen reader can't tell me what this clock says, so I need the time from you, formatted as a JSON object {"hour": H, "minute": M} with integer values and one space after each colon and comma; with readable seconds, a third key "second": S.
{"hour": 4, "minute": 9}
